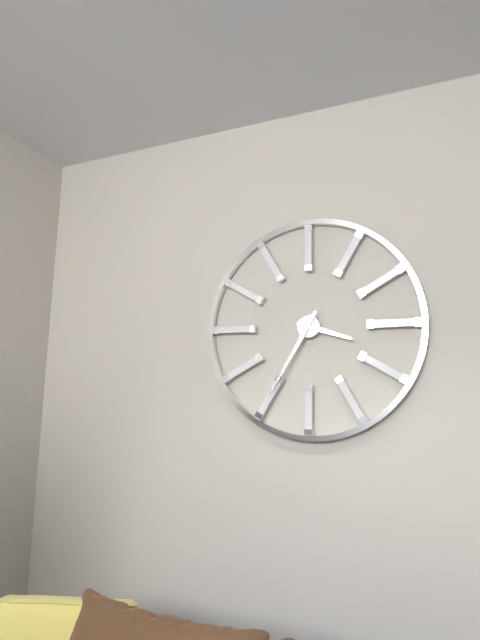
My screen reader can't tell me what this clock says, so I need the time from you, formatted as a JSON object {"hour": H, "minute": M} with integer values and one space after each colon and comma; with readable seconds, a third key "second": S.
{"hour": 3, "minute": 35}
